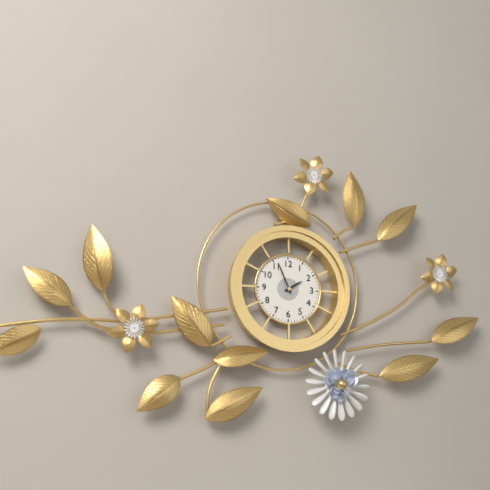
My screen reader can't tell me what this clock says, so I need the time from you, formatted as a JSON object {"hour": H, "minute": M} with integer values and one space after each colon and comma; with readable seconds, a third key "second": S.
{"hour": 1, "minute": 56}
